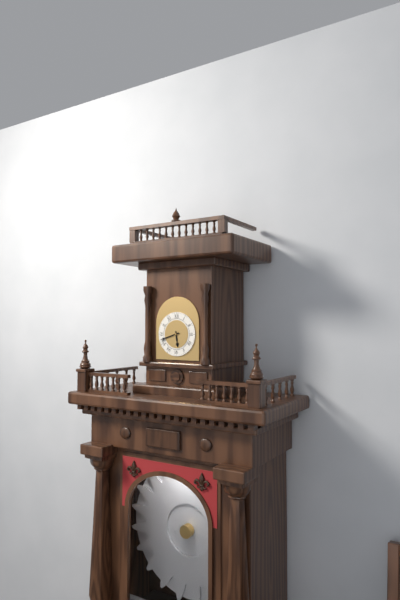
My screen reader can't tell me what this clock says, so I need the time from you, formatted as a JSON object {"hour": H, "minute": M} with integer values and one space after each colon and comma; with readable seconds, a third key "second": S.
{"hour": 5, "minute": 42}
